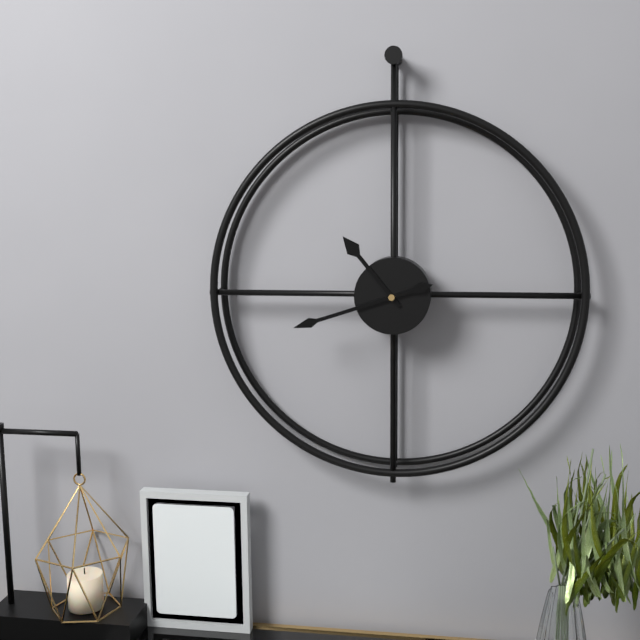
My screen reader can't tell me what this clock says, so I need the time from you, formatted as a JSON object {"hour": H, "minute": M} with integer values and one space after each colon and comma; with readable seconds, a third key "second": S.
{"hour": 10, "minute": 42}
